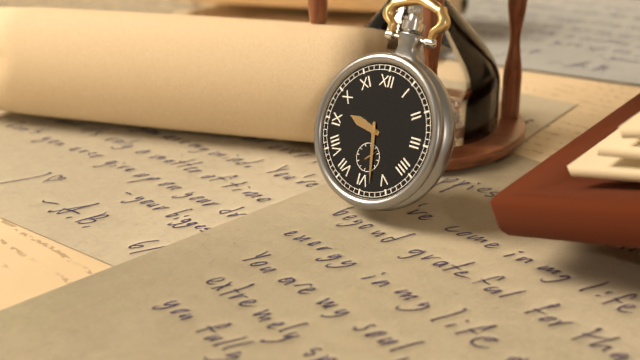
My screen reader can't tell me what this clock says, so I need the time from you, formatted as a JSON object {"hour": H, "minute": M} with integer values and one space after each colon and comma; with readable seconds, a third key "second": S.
{"hour": 9, "minute": 28}
